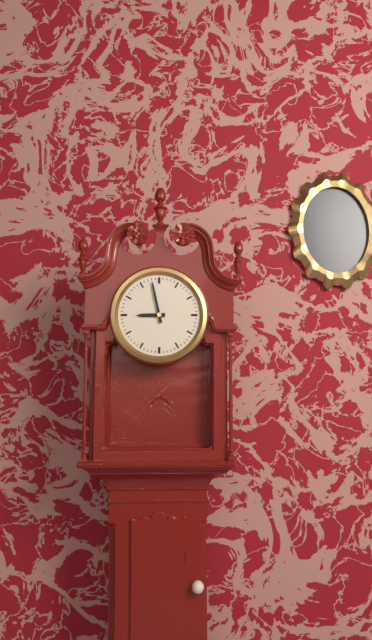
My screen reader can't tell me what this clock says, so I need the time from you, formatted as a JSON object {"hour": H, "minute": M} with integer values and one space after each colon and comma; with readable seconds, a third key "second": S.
{"hour": 8, "minute": 58}
